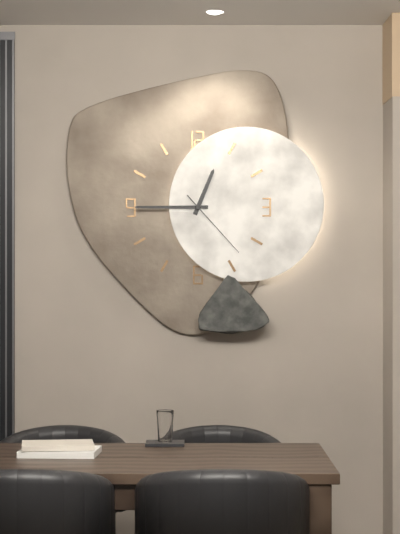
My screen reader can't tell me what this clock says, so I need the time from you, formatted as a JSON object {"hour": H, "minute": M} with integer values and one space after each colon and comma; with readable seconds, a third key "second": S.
{"hour": 12, "minute": 45, "second": 23}
